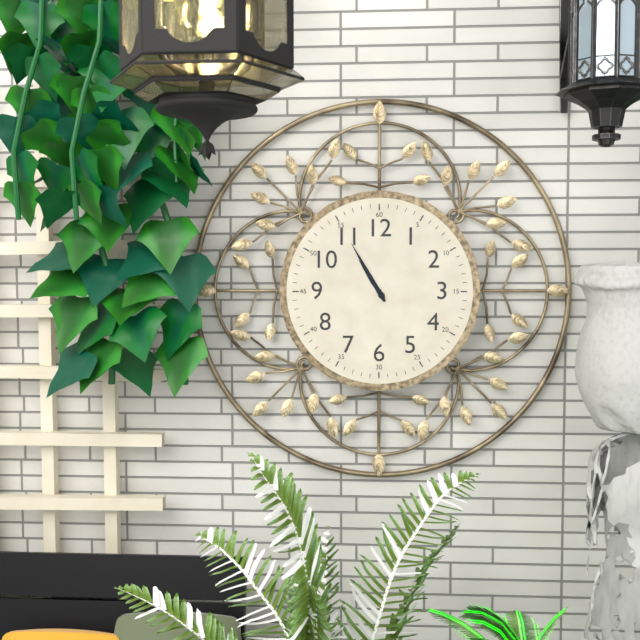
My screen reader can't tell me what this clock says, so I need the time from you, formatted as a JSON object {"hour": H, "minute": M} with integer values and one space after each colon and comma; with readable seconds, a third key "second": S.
{"hour": 10, "minute": 55}
